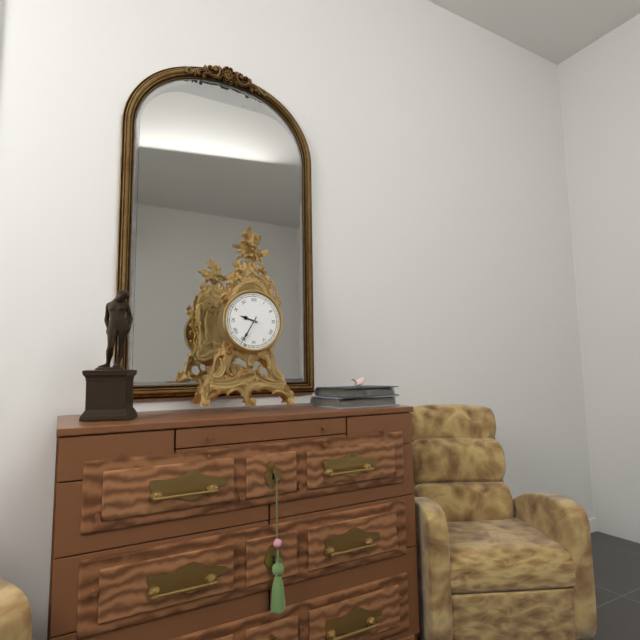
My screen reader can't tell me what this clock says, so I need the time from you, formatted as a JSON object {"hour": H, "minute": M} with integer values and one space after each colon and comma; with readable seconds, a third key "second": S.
{"hour": 9, "minute": 35}
